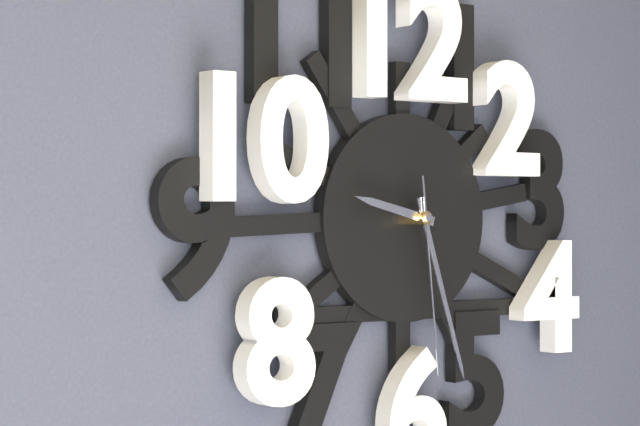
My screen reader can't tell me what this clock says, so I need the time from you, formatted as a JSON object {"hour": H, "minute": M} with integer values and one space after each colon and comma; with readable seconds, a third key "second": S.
{"hour": 9, "minute": 27, "second": 29}
